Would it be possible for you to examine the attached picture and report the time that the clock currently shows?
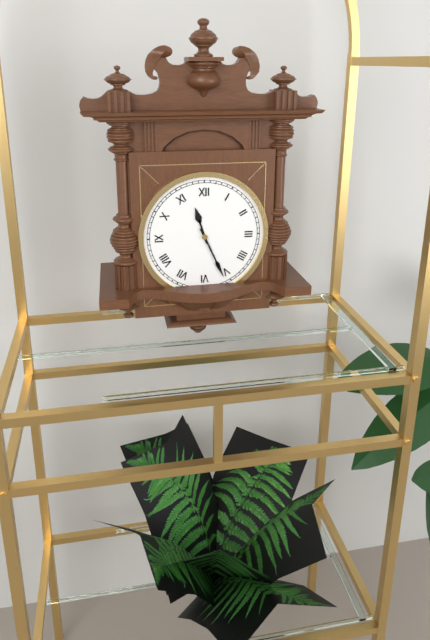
11:26
